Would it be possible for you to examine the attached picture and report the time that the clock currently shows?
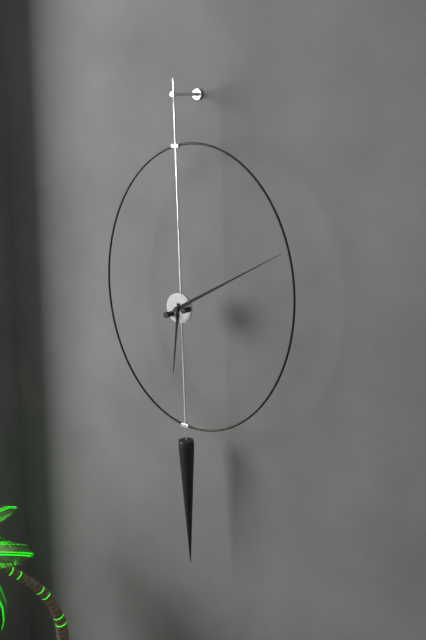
6:10
